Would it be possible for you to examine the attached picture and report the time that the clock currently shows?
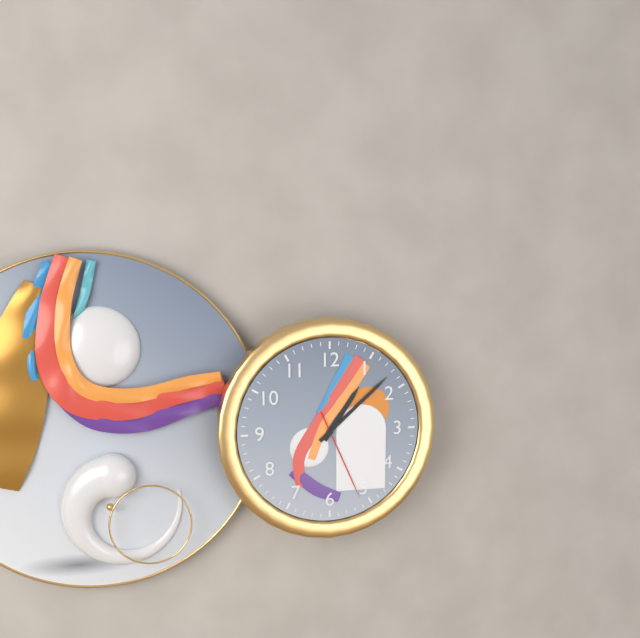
1:08:26
